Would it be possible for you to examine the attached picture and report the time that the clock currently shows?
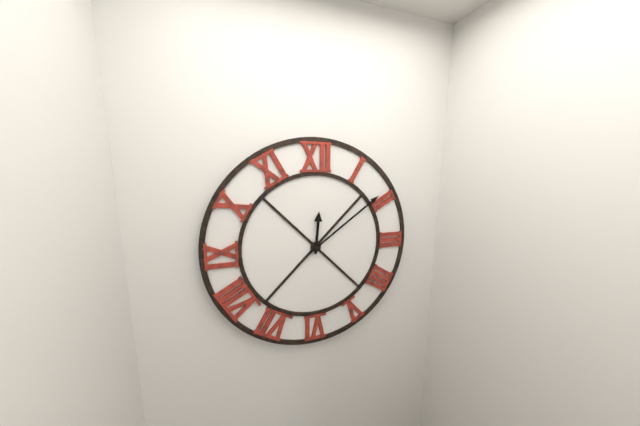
12:09
